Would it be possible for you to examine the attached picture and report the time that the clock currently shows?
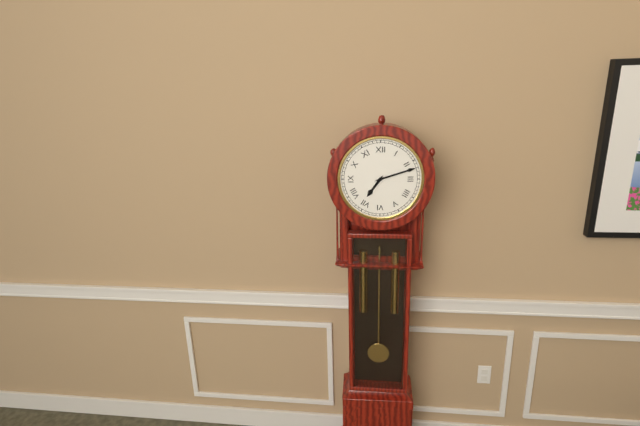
7:12
